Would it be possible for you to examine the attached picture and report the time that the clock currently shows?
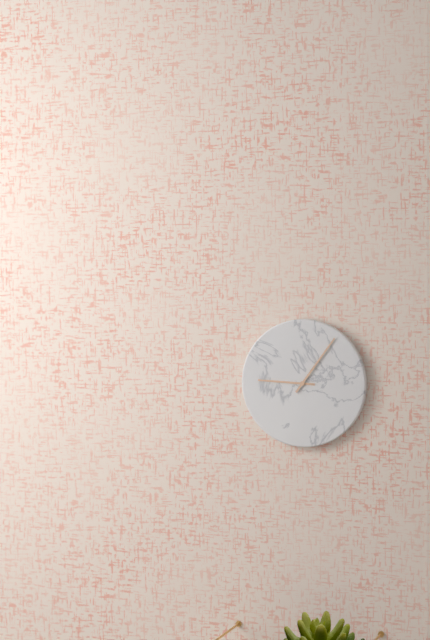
9:06
